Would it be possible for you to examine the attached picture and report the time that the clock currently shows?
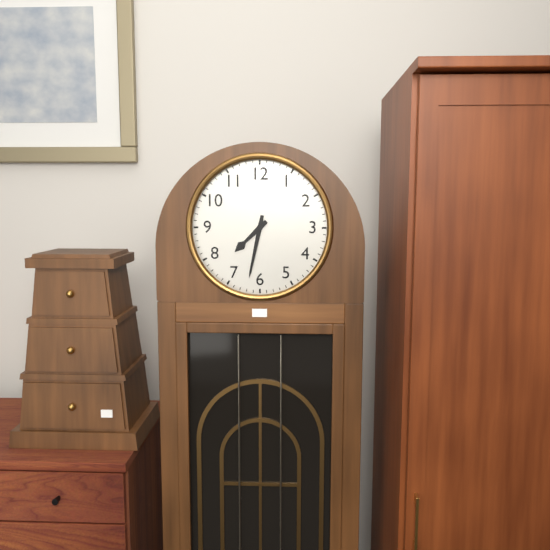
7:32
